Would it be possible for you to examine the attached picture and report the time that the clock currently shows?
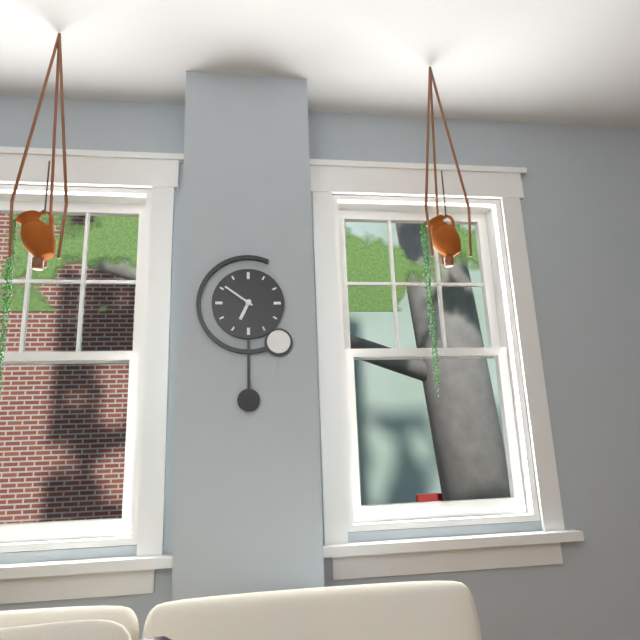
6:51
